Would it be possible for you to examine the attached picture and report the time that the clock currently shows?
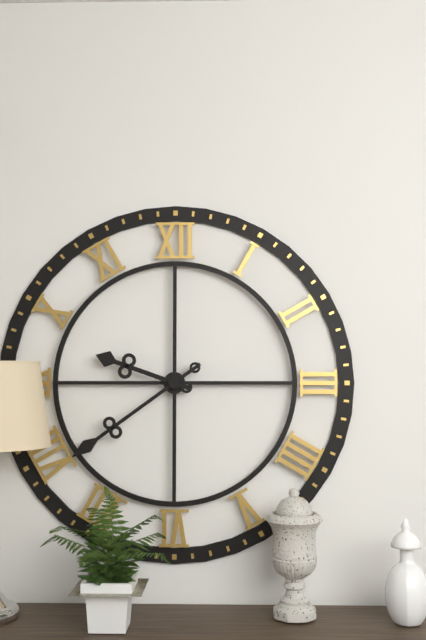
9:39
